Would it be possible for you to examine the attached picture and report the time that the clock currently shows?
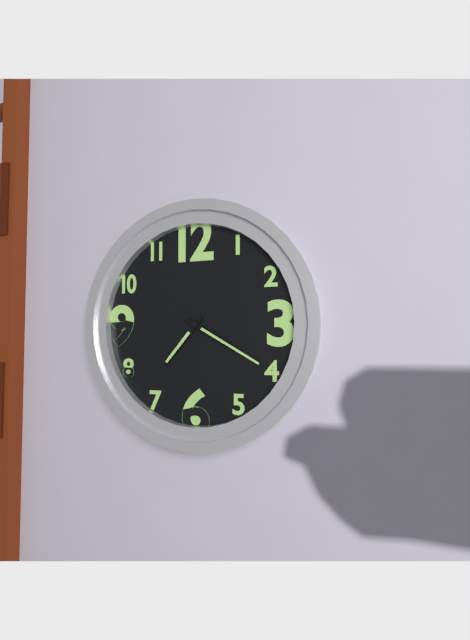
7:20
